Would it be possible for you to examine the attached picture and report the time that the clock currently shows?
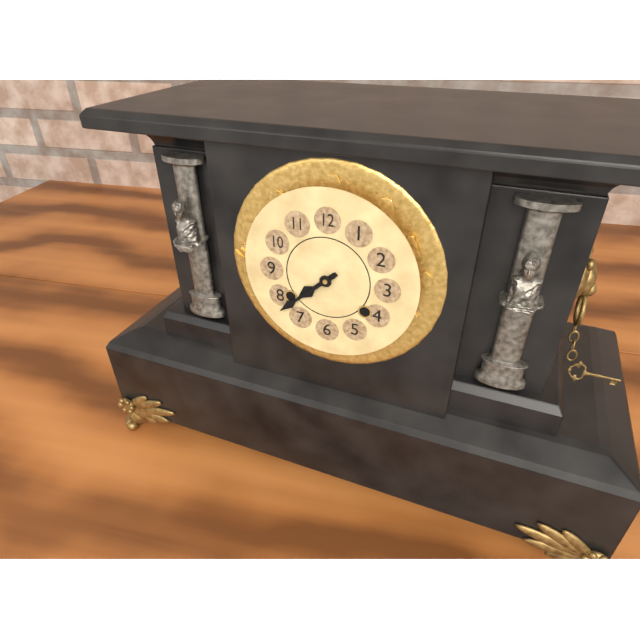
7:38
